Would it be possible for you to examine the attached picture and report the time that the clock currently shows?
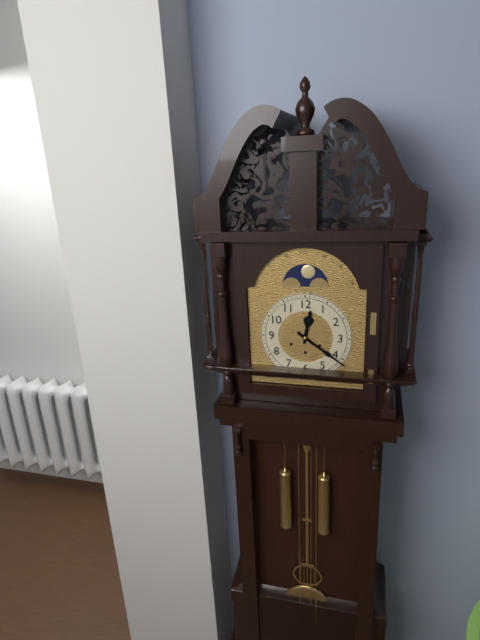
12:21
